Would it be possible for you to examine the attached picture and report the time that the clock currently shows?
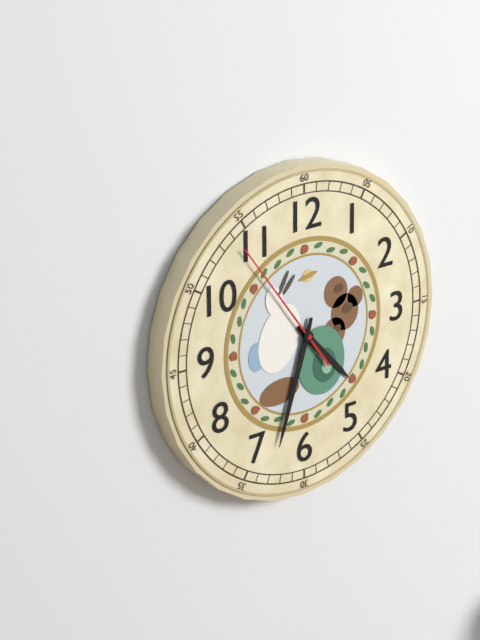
4:33:54
